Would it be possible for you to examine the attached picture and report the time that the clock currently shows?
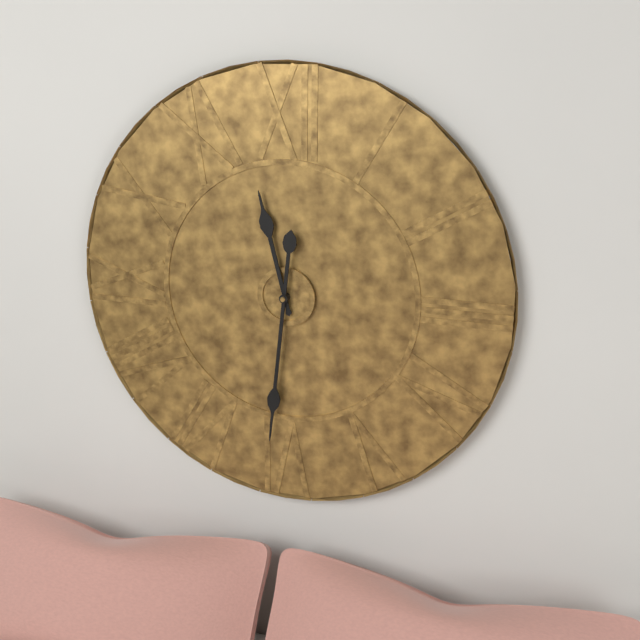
11:31
